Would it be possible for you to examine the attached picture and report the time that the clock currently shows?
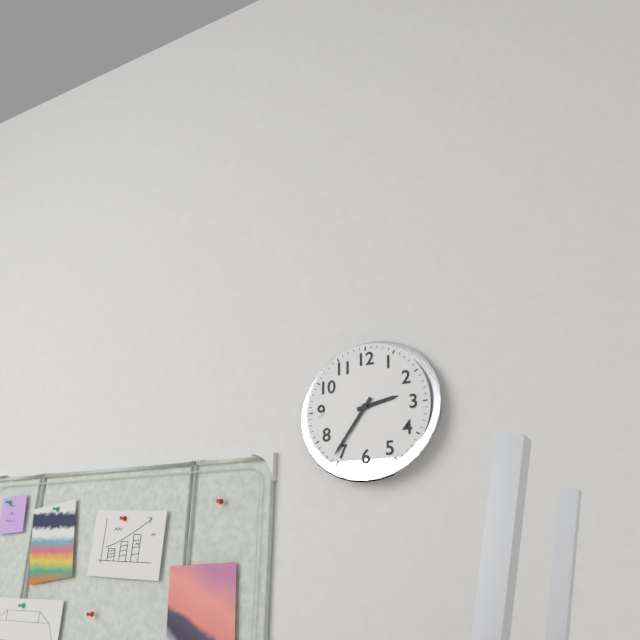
2:36
